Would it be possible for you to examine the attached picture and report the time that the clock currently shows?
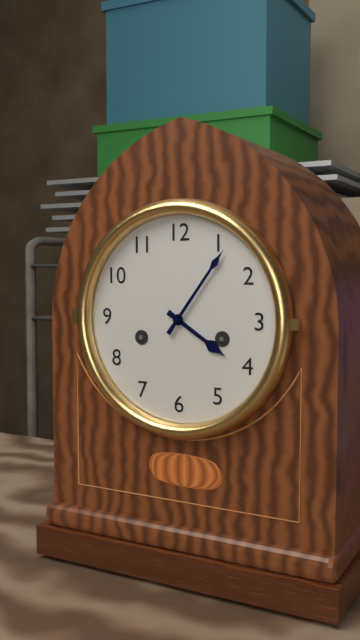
4:06
